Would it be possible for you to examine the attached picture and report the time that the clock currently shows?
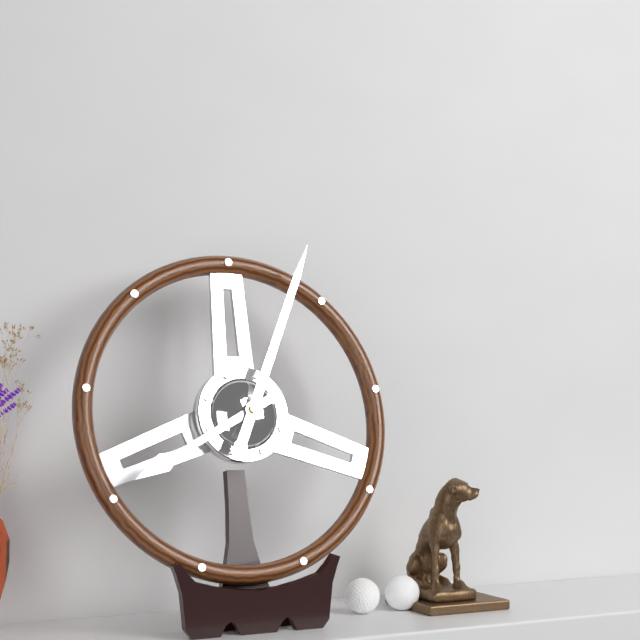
8:04
